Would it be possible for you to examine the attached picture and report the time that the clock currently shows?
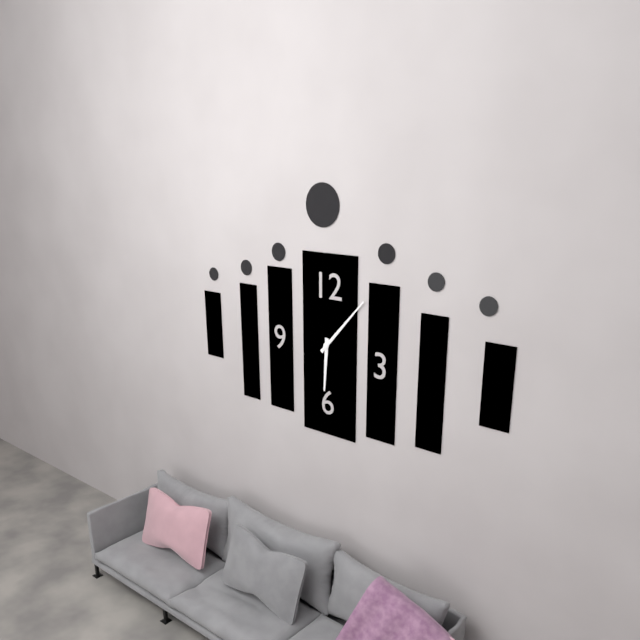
6:07
